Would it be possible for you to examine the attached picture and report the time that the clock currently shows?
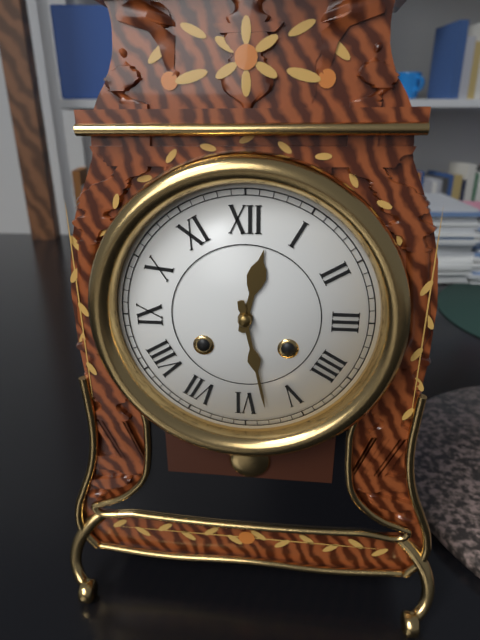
12:28
